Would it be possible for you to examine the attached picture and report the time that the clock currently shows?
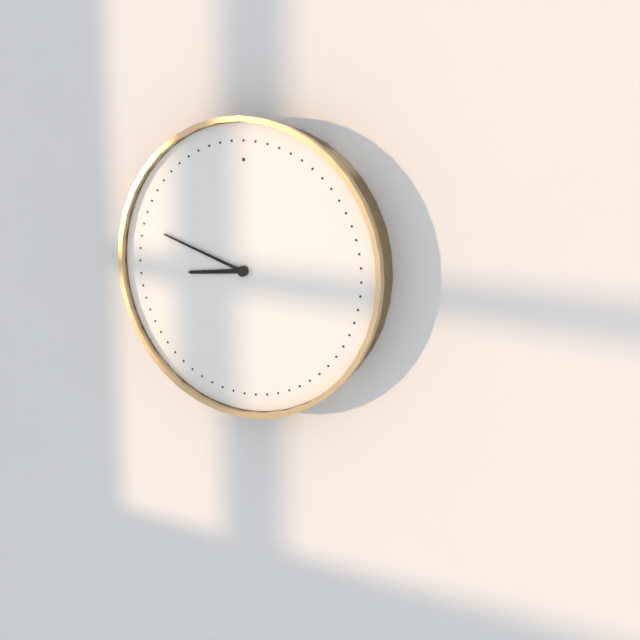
8:48
